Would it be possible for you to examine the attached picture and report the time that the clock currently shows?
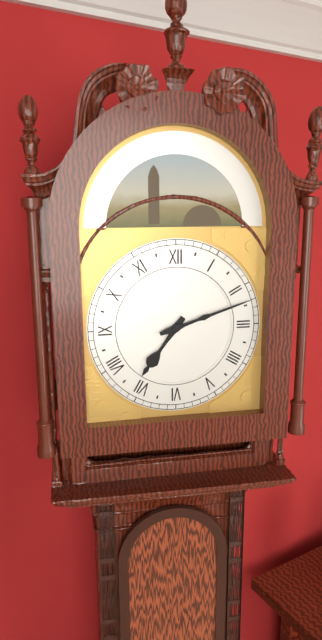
7:12
